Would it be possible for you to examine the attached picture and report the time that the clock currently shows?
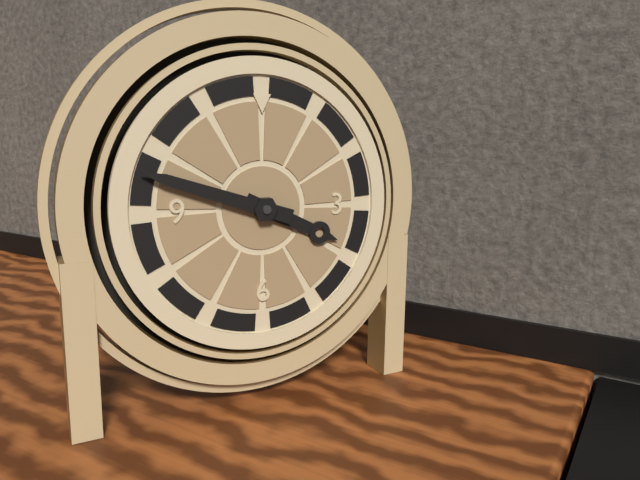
3:48
